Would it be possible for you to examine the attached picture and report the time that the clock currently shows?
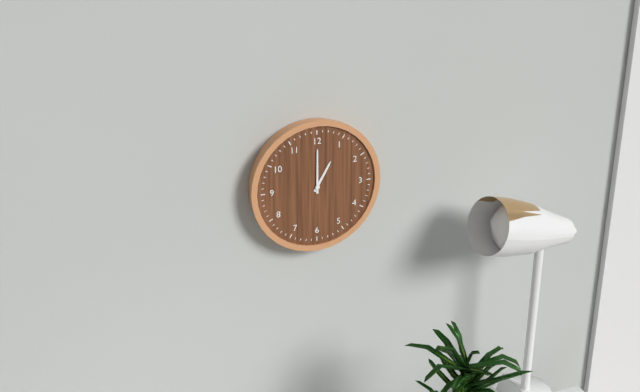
1:00
